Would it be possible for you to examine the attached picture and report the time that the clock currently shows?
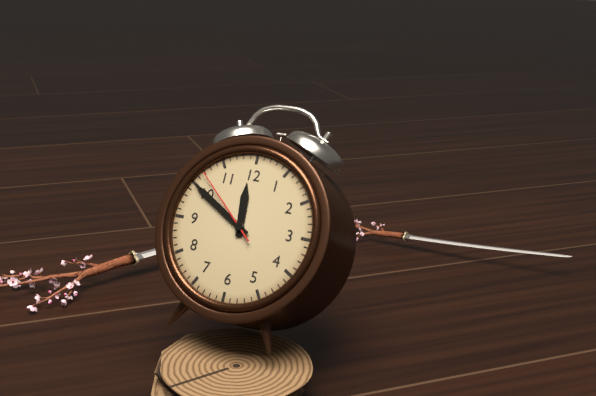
11:50:52
